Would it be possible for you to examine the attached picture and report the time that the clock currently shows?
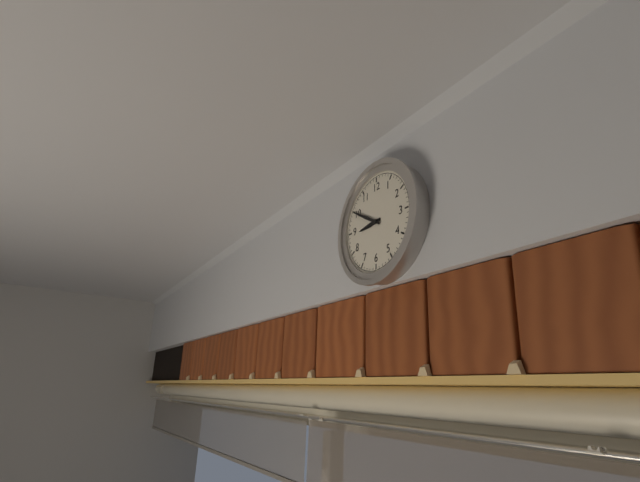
8:50
